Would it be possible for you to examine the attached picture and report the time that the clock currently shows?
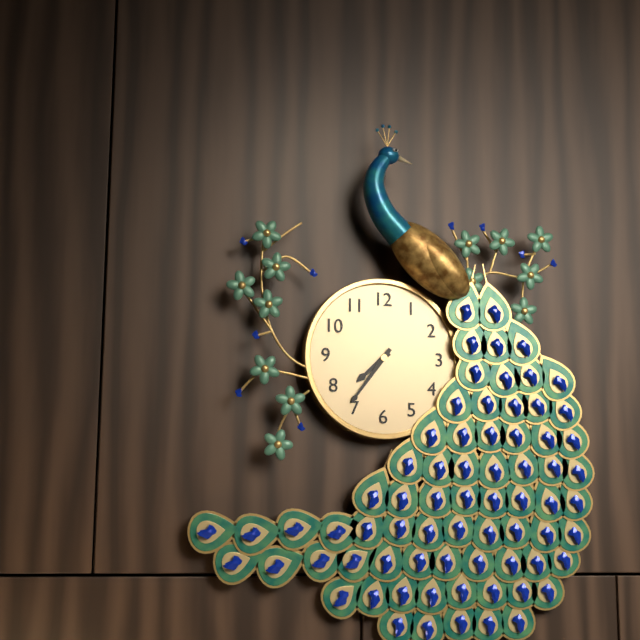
7:36
